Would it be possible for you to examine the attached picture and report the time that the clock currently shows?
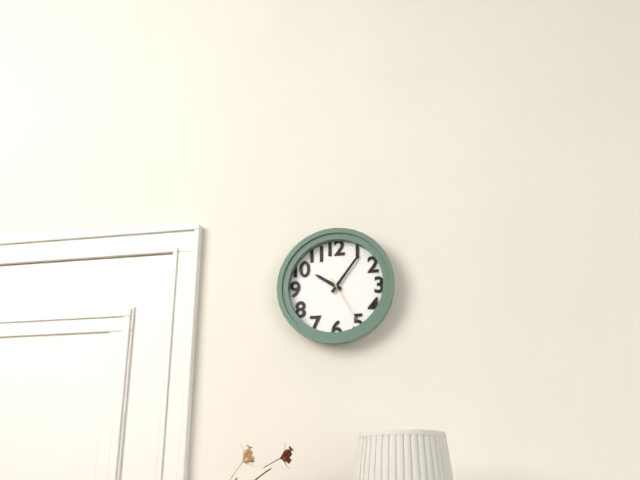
10:06
